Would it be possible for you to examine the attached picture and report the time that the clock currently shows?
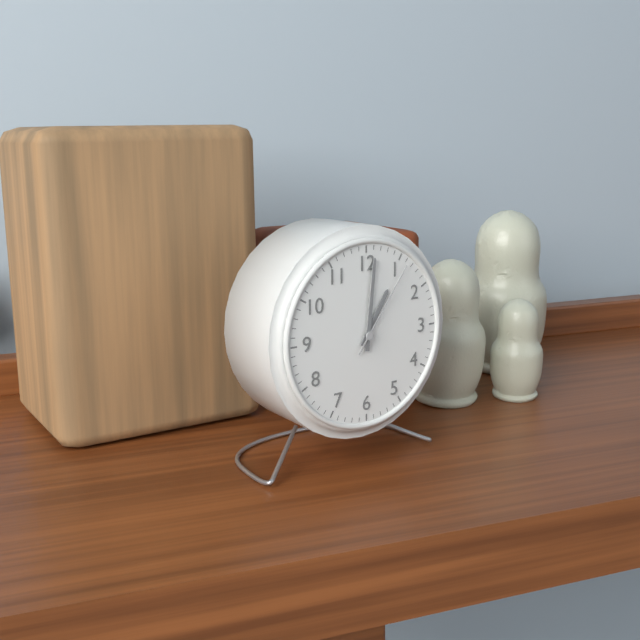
1:01:06
